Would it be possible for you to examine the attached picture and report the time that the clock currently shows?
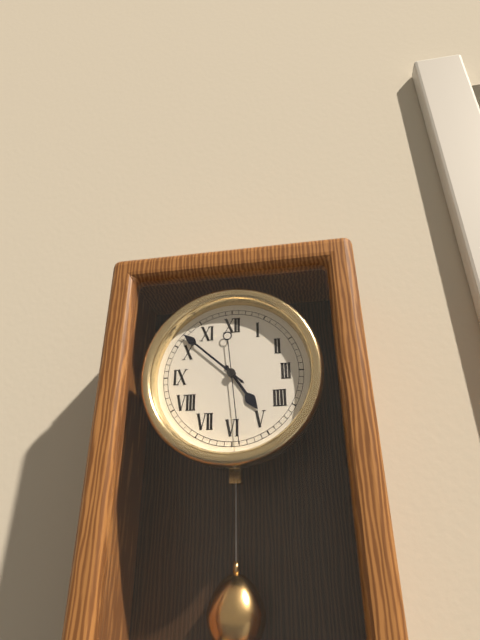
4:52:29
